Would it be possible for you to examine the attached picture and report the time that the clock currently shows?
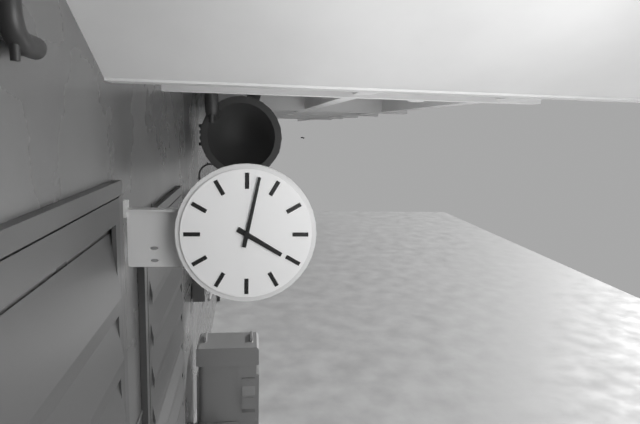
4:02
